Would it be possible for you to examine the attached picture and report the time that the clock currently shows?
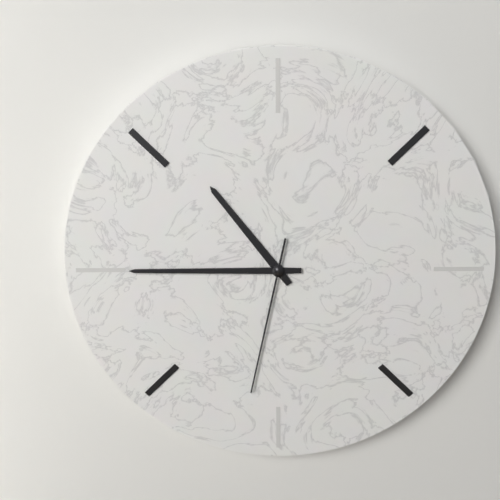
10:45:32
